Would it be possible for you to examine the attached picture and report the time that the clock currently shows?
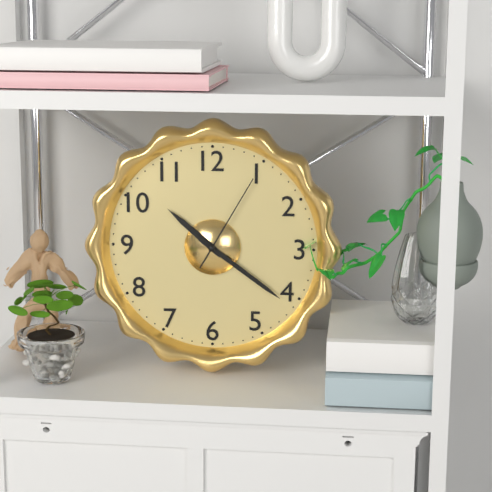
10:21:05
